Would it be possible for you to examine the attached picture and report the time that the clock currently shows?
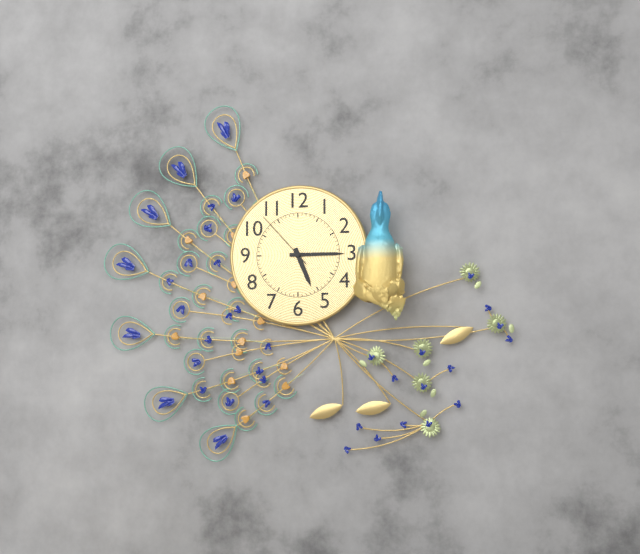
5:15:53
